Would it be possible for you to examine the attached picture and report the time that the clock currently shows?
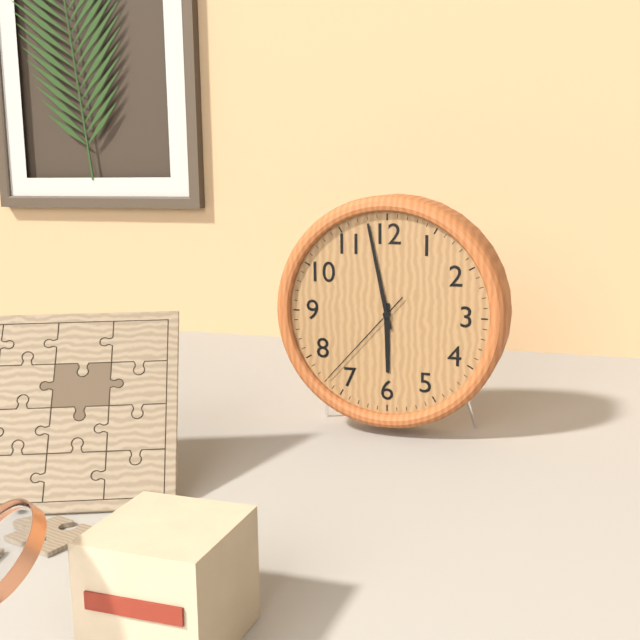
5:58:37
